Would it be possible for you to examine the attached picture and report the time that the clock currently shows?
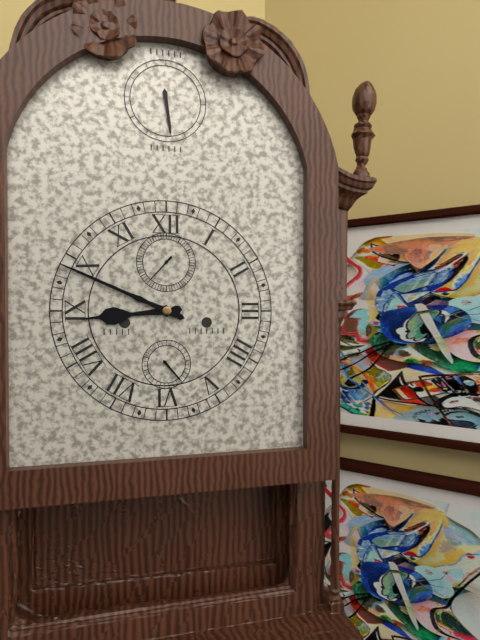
8:49
